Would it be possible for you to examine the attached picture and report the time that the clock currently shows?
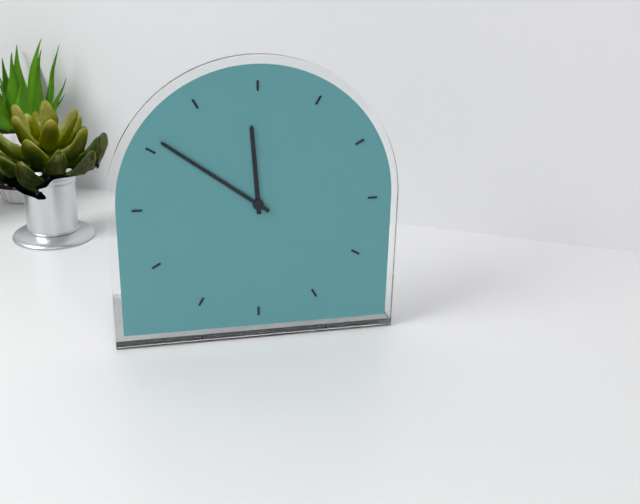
11:51
